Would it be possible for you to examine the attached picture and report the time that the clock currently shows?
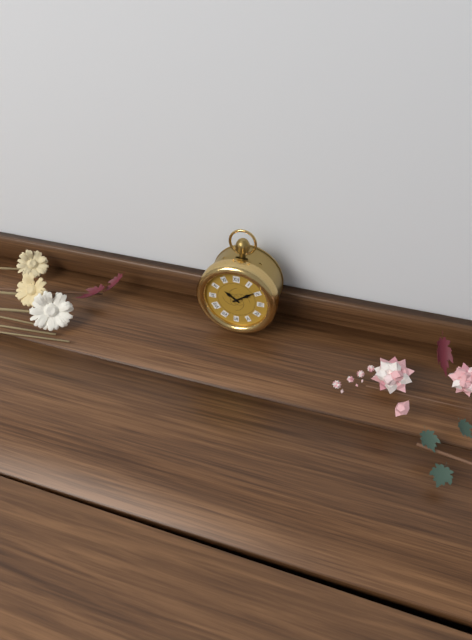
10:09
